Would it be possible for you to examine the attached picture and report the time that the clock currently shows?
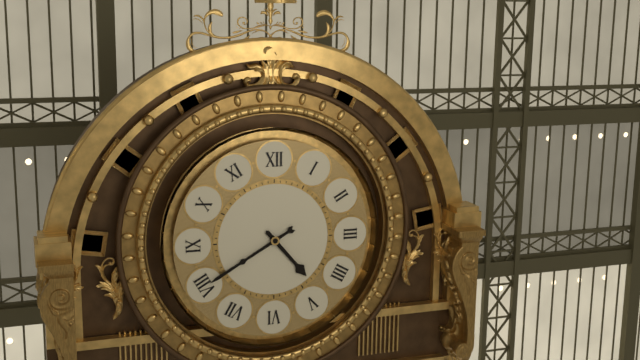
4:40
